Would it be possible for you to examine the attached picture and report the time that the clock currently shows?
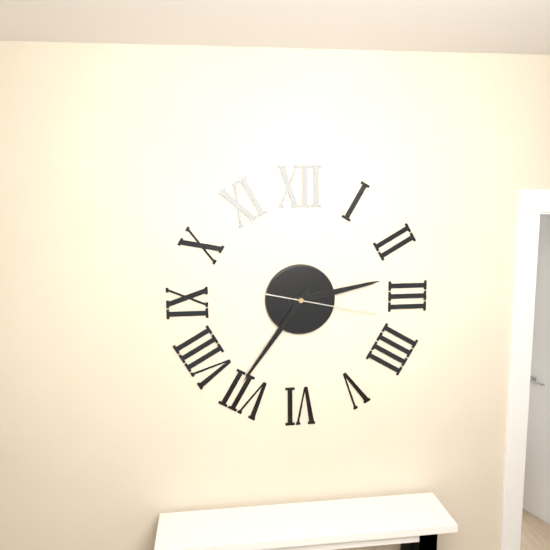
2:36:17
